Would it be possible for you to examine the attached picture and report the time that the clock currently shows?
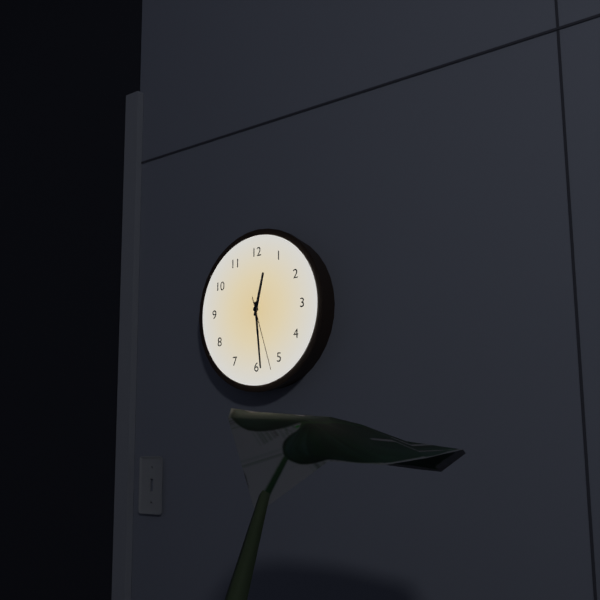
12:29:27
